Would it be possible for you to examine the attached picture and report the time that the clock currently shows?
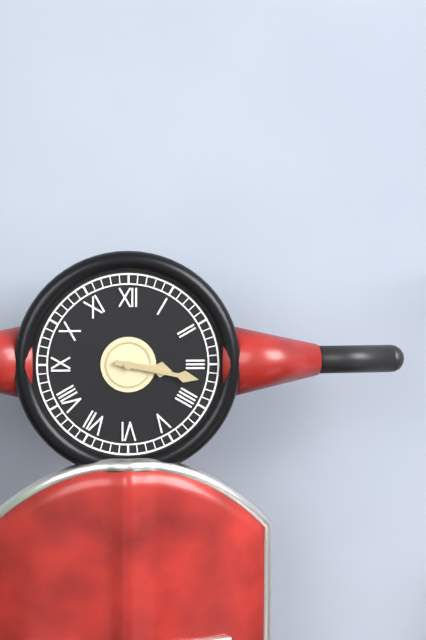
3:17
